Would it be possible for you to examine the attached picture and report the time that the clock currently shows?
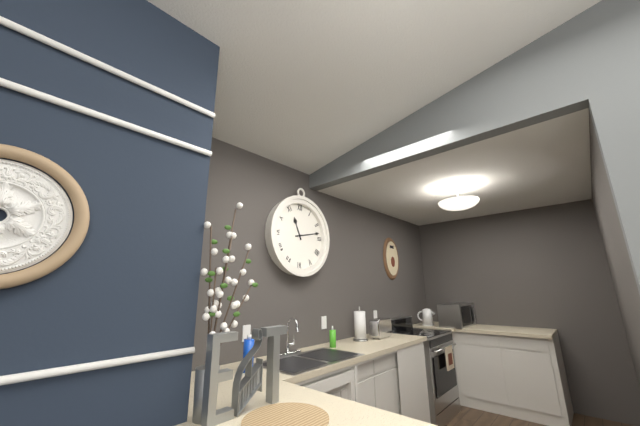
11:13
